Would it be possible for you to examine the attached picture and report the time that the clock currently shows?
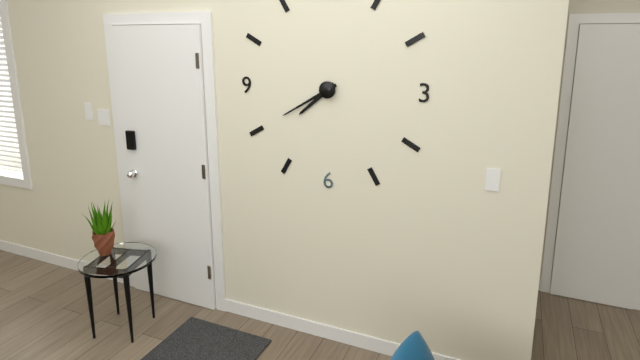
7:40
